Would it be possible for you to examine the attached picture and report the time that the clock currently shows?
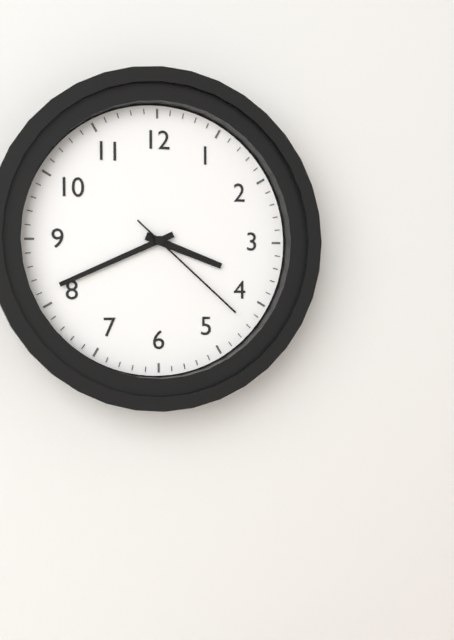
3:41:22
